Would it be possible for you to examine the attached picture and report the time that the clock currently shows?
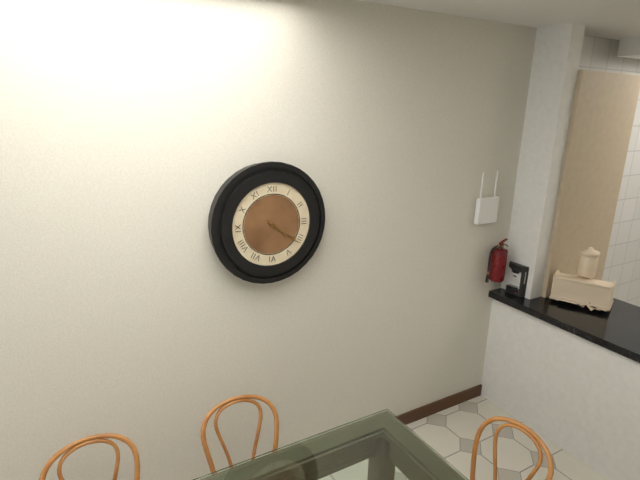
4:21
